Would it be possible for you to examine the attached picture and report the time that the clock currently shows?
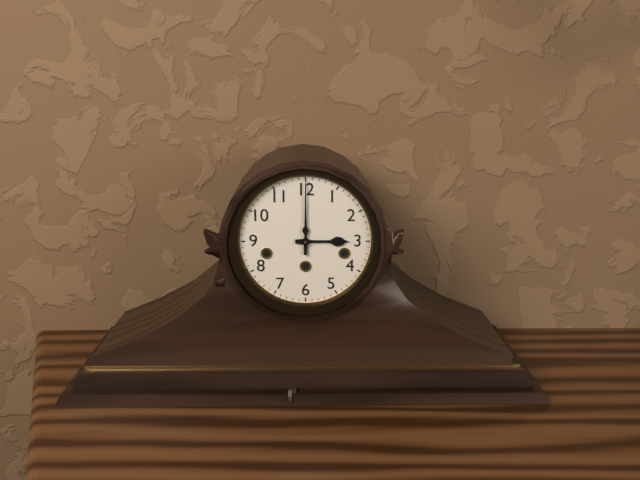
3:00
